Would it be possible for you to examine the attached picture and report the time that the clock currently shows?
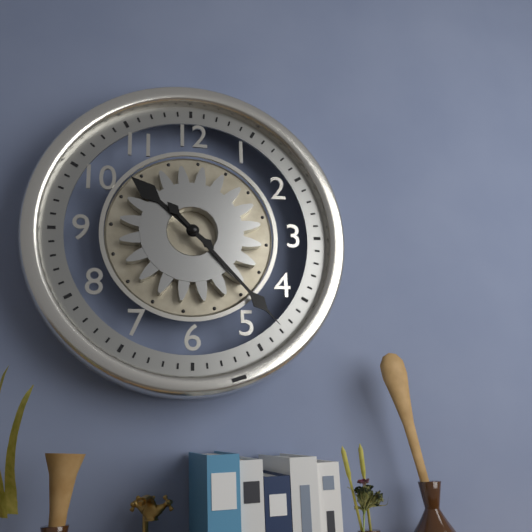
10:23
